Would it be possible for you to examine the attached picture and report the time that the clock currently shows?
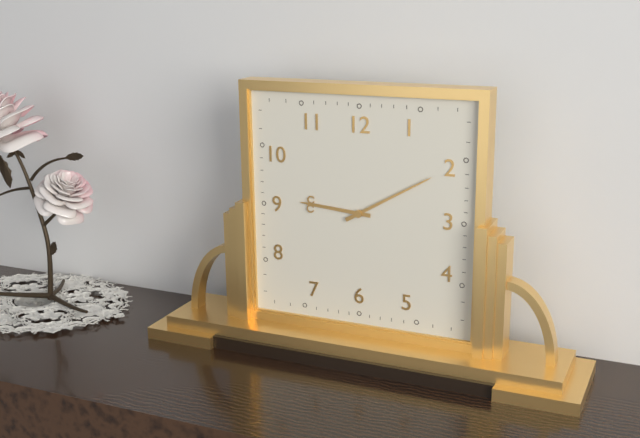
9:10
